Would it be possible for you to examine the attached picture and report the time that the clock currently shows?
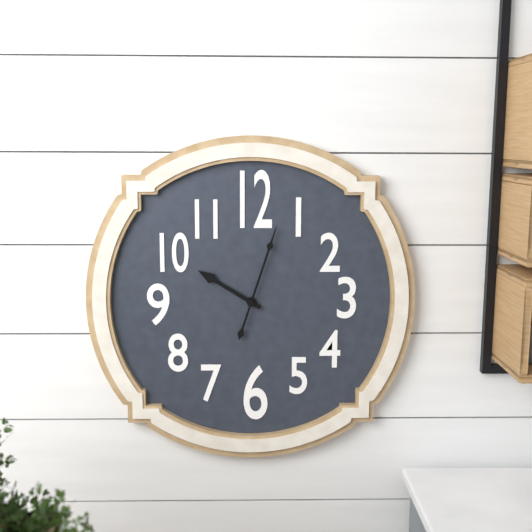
10:03
